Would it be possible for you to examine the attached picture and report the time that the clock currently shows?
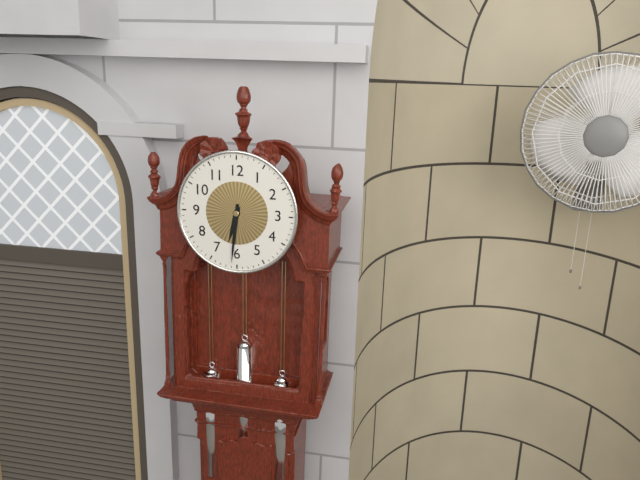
6:31
